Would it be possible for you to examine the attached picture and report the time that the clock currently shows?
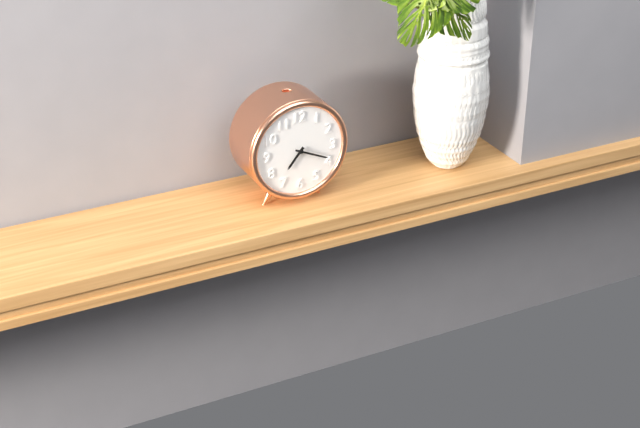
7:19
